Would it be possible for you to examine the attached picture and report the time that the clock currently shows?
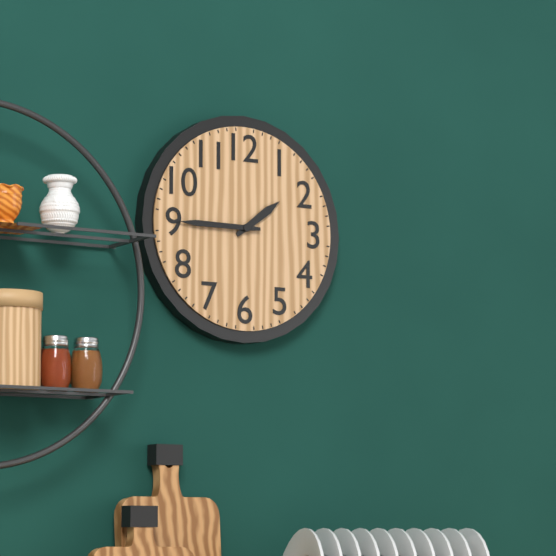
1:45
